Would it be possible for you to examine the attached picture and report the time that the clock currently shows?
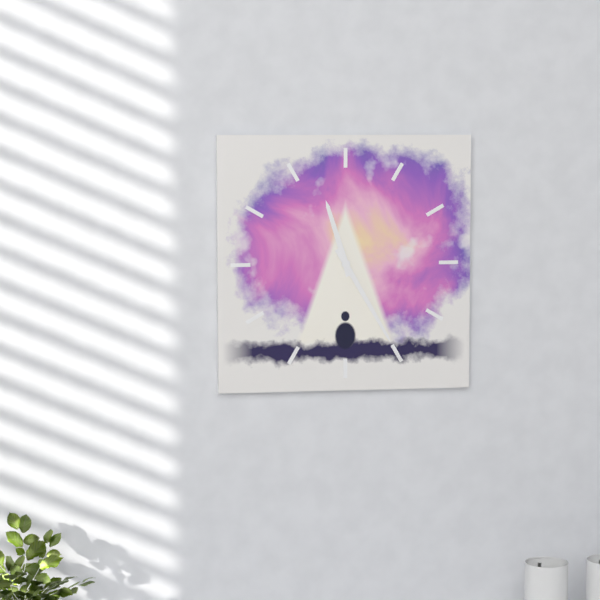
11:25
